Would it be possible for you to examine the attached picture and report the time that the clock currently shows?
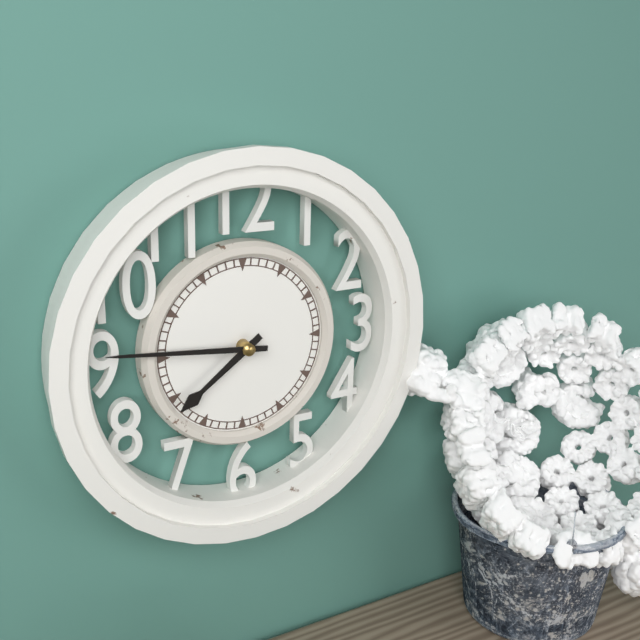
7:46
